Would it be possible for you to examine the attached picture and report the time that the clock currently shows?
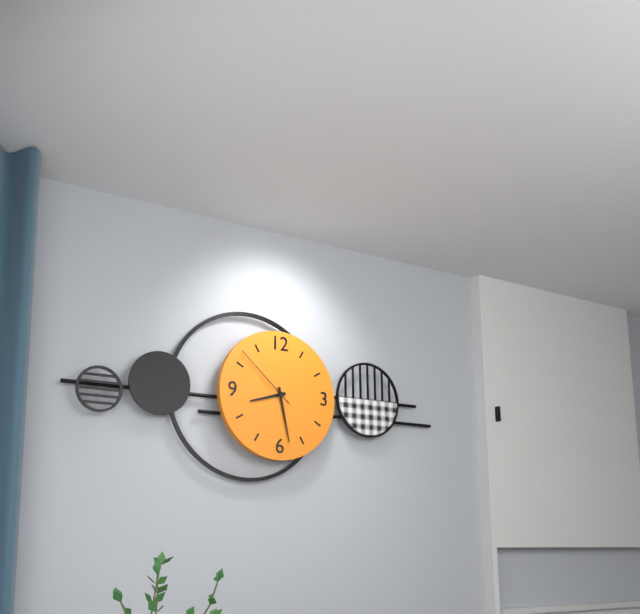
8:28:52
